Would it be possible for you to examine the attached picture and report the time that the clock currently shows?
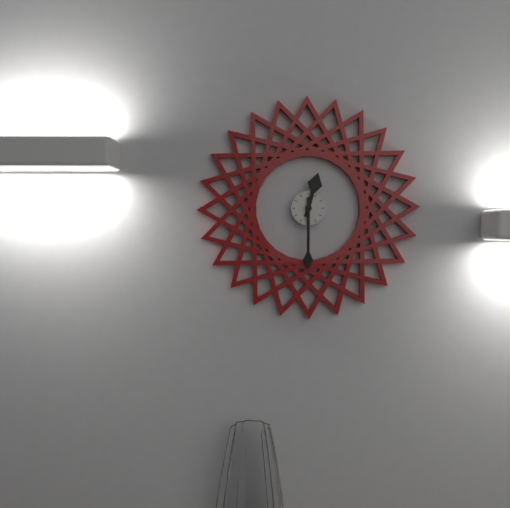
12:30
